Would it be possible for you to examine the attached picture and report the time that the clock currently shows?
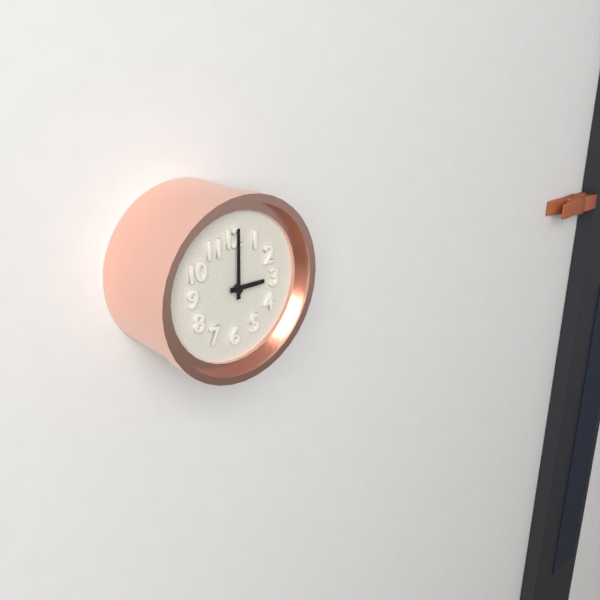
3:00
